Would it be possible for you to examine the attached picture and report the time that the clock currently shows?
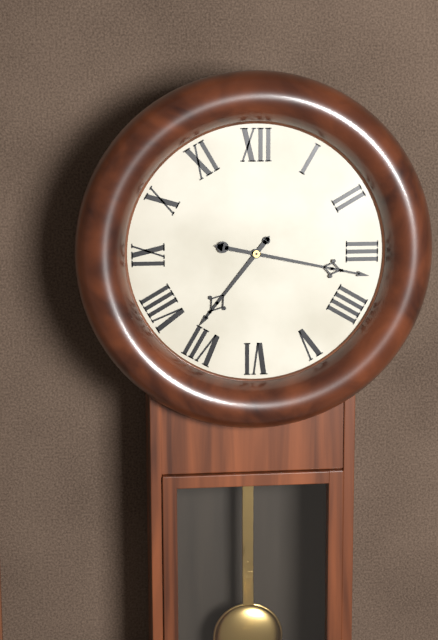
7:17
